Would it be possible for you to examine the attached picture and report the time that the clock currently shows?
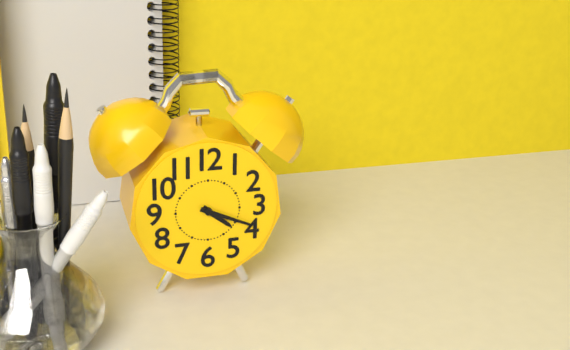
4:19
